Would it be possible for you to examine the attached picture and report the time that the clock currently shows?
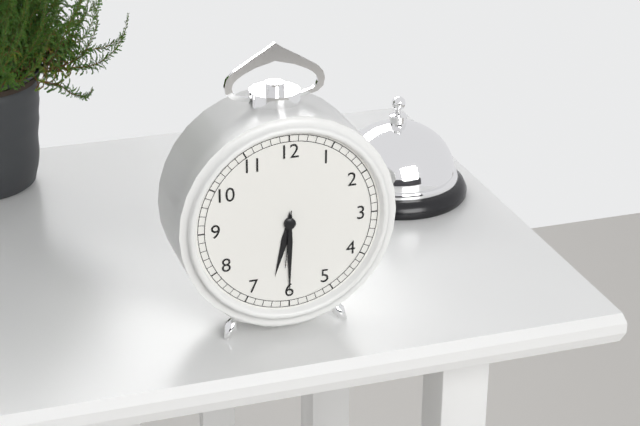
6:30:31
